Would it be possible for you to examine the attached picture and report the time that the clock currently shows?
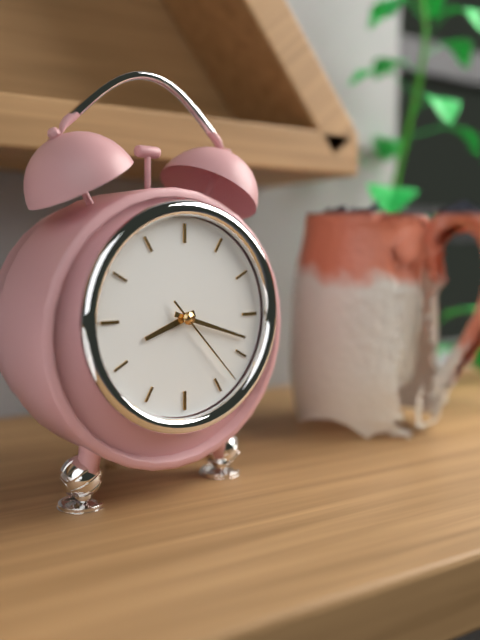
8:18:23
